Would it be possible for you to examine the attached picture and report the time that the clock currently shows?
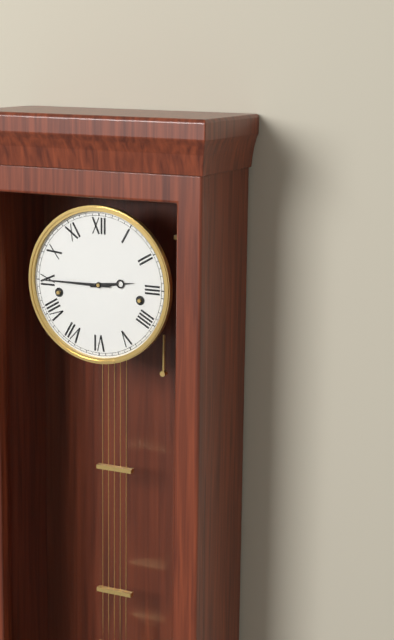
2:45
